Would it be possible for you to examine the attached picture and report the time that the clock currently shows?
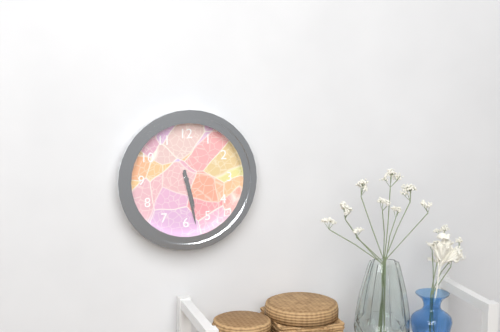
5:28
